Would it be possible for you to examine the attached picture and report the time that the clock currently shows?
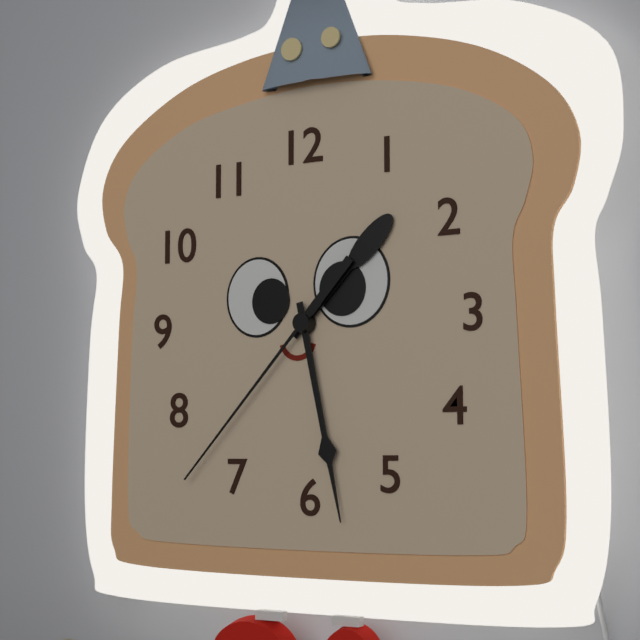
1:28:37
